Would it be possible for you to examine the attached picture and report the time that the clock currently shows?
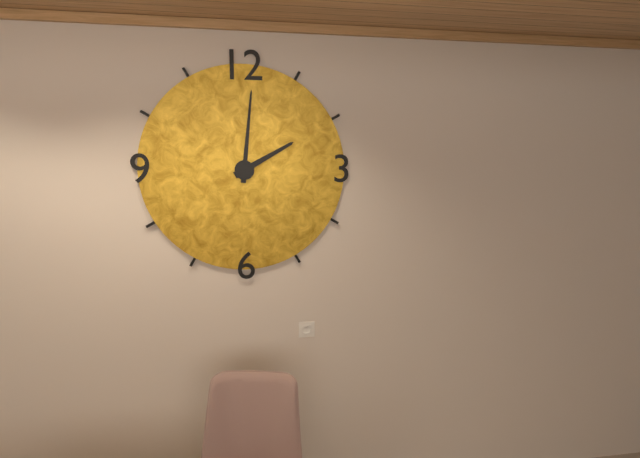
2:01
